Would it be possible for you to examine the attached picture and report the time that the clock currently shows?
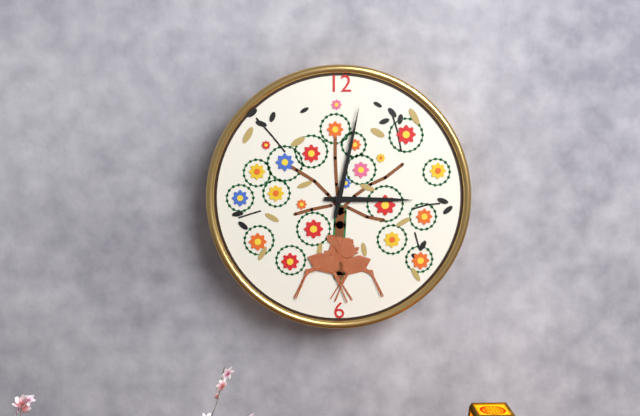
3:02
